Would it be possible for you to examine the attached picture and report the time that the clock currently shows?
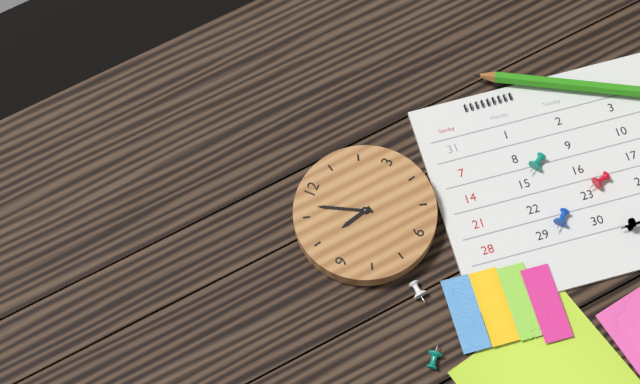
9:57
